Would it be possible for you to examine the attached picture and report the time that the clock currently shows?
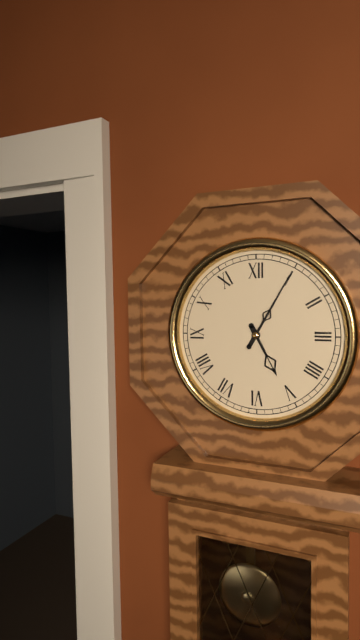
5:05
